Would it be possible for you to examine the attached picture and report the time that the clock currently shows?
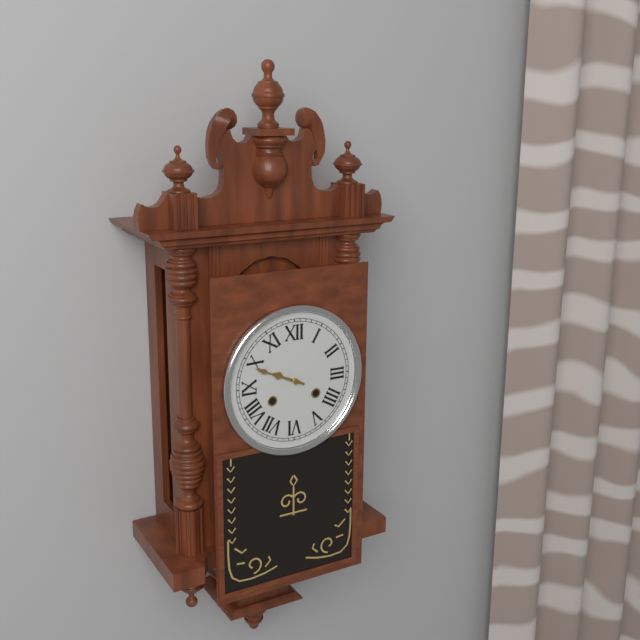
9:49
